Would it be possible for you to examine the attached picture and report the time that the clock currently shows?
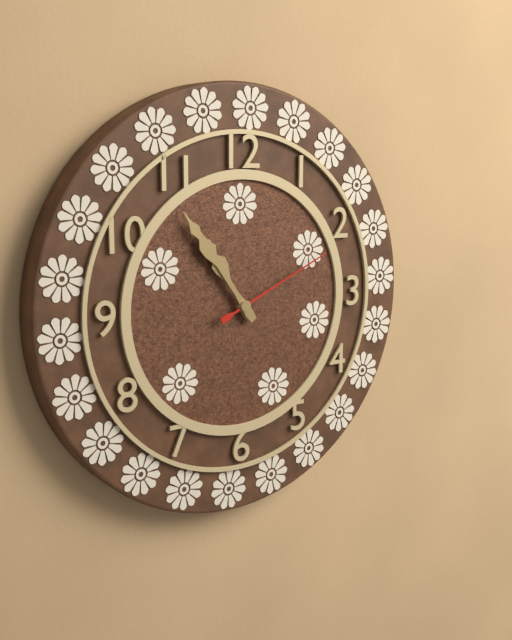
10:54:11
